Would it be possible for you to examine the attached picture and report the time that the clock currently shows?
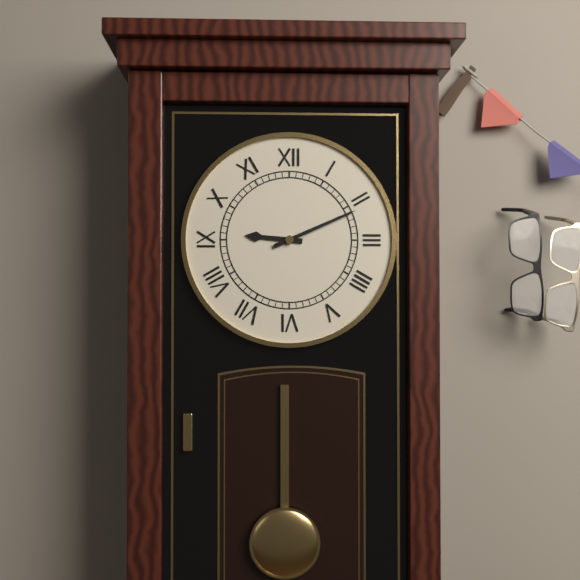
9:11
